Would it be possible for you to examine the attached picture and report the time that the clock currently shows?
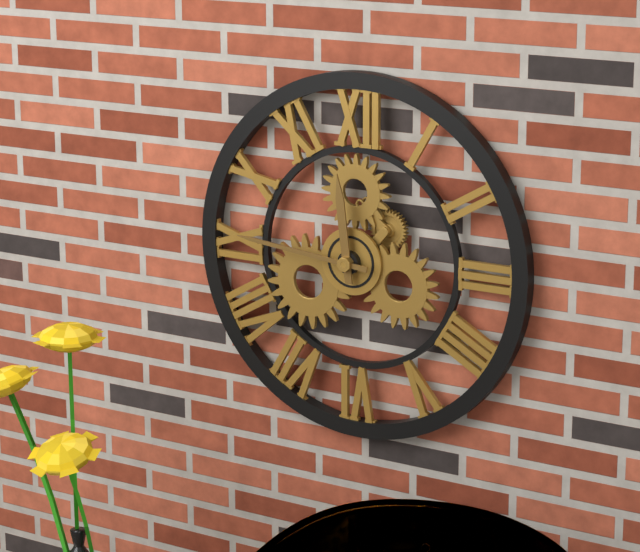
11:46
